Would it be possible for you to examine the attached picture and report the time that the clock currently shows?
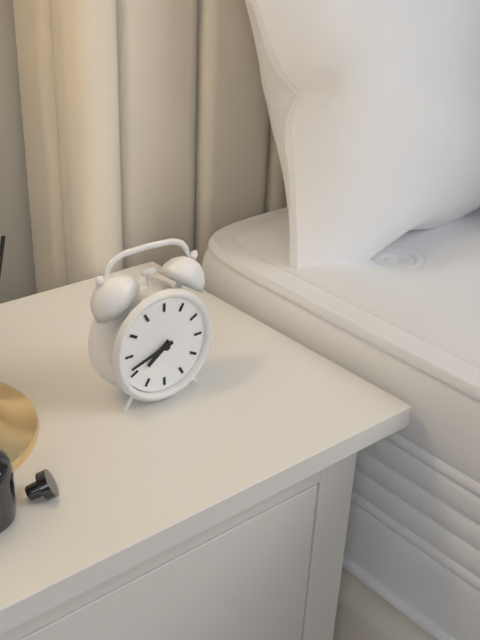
7:42
